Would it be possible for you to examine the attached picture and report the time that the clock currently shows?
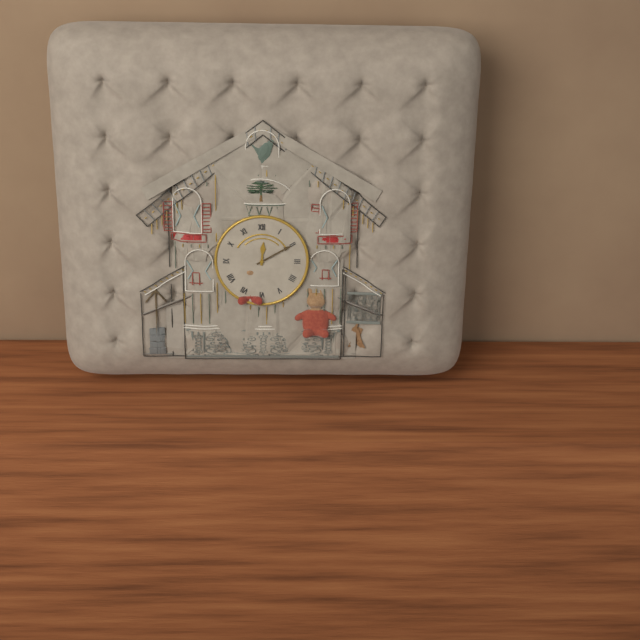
12:10
